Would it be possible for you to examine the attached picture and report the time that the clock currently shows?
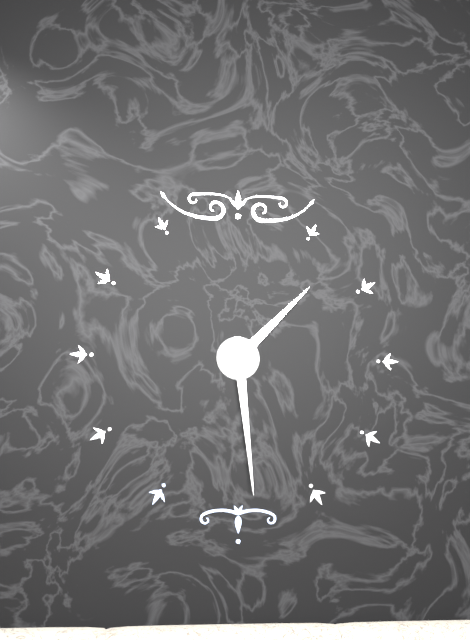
1:29
